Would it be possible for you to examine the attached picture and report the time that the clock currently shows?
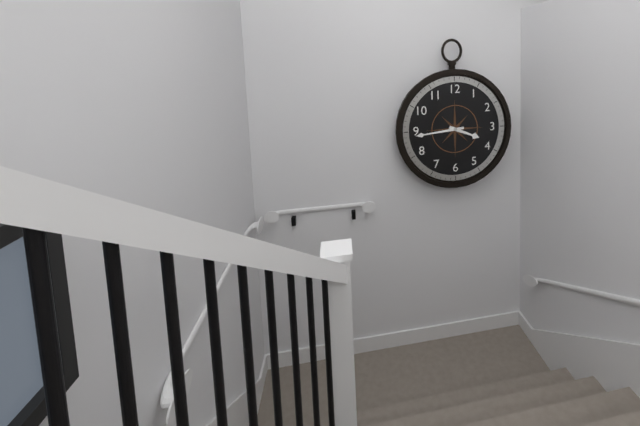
3:44
